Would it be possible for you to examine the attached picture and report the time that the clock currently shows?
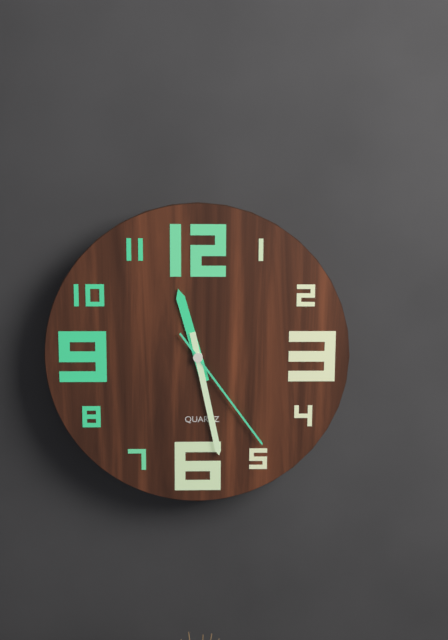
11:28:24
